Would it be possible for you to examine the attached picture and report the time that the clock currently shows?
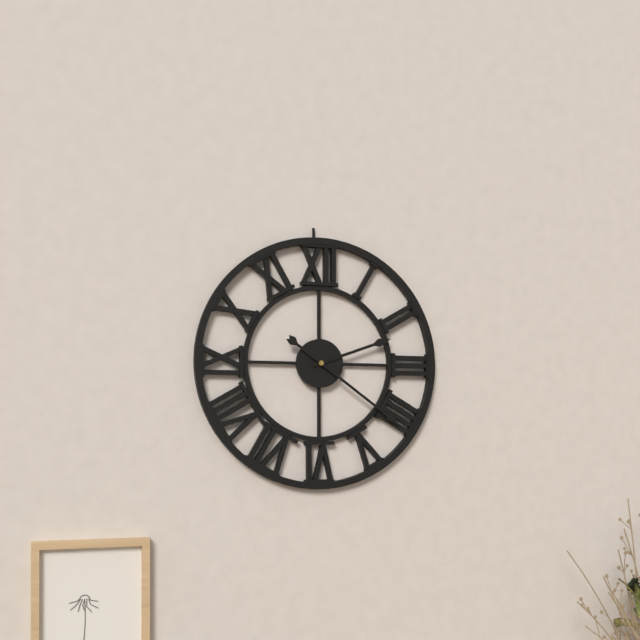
2:21
